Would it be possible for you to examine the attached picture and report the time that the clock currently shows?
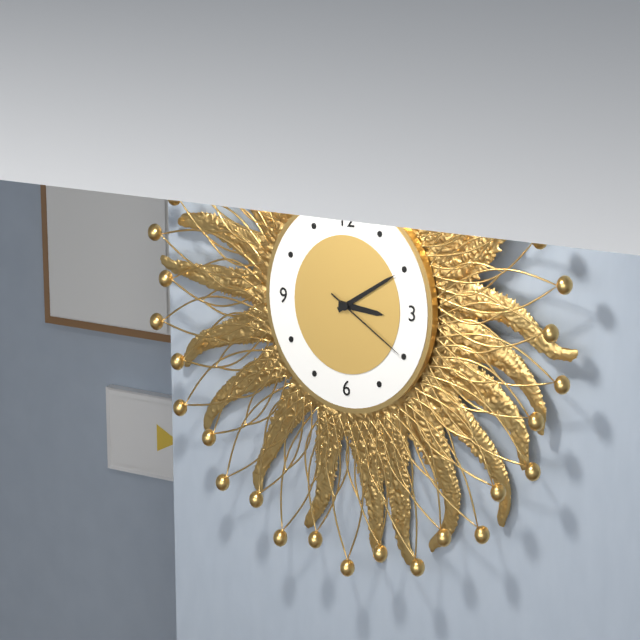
3:10:20
